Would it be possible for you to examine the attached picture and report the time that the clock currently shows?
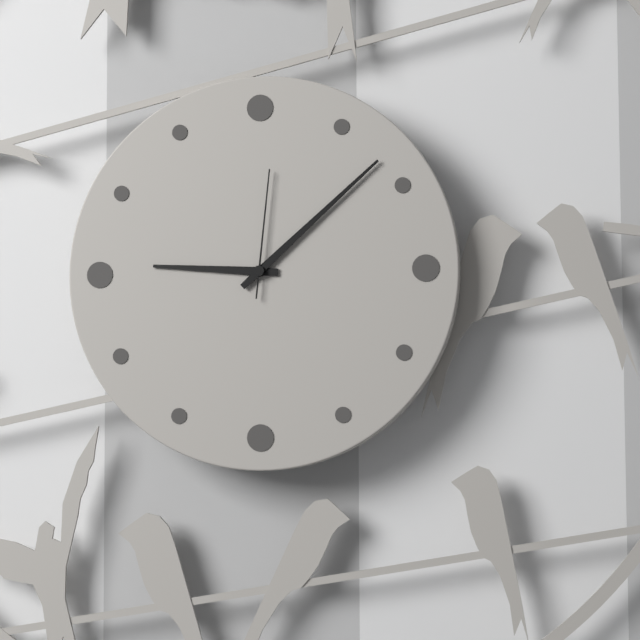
9:08:01
